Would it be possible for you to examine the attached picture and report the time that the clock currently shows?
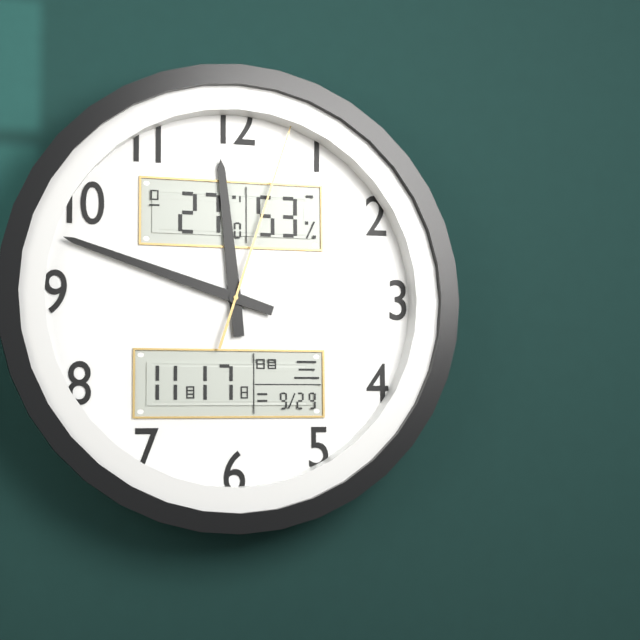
11:48:03
